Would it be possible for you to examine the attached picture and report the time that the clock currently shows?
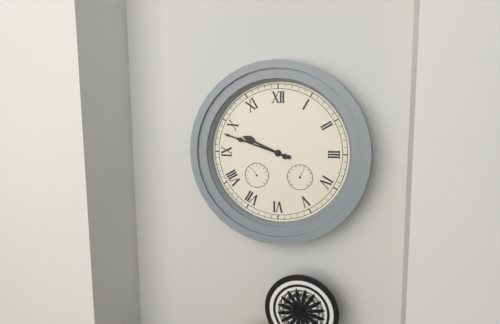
9:48
